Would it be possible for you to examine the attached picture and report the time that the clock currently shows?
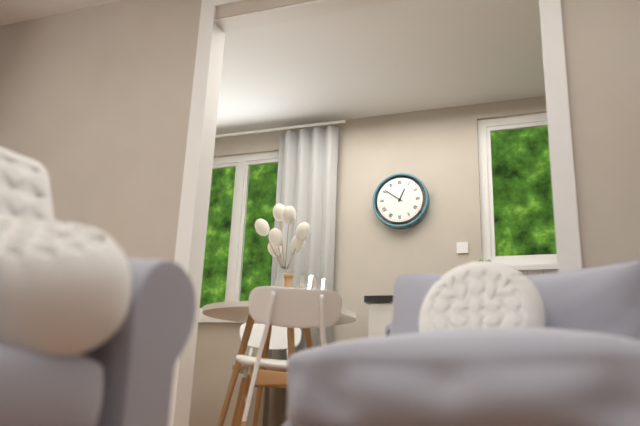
12:51
